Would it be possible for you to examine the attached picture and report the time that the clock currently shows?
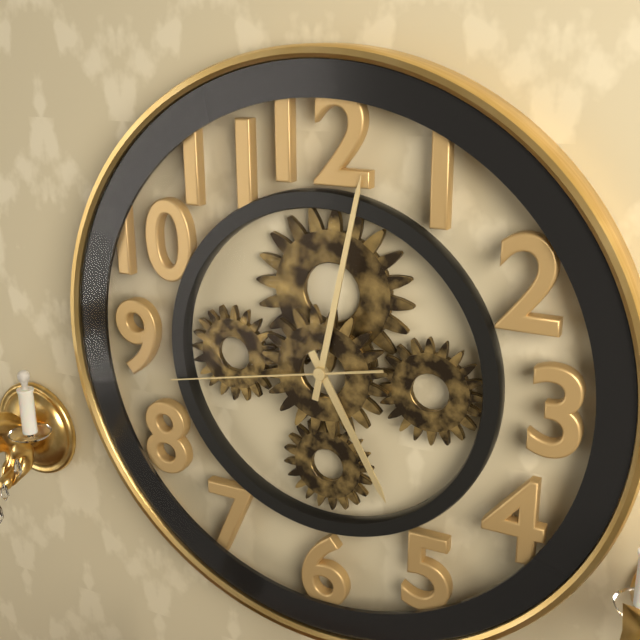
5:02:43
